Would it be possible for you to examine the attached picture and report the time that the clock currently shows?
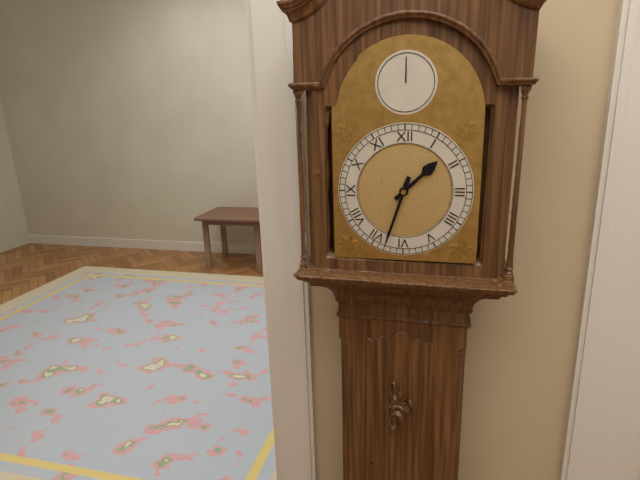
1:33
